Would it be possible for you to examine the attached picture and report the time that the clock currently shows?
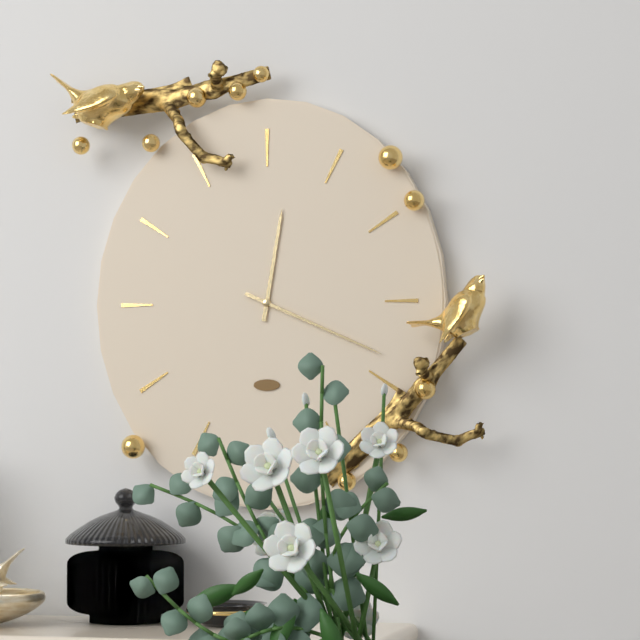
12:19
